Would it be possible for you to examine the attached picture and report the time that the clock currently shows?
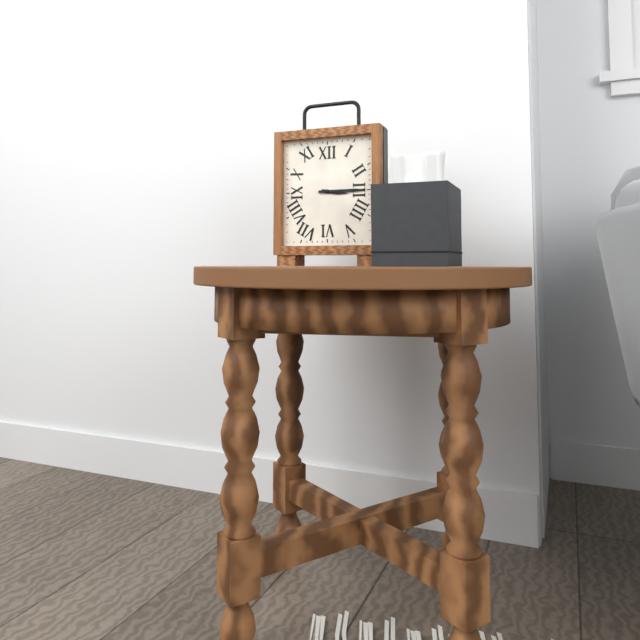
3:15
